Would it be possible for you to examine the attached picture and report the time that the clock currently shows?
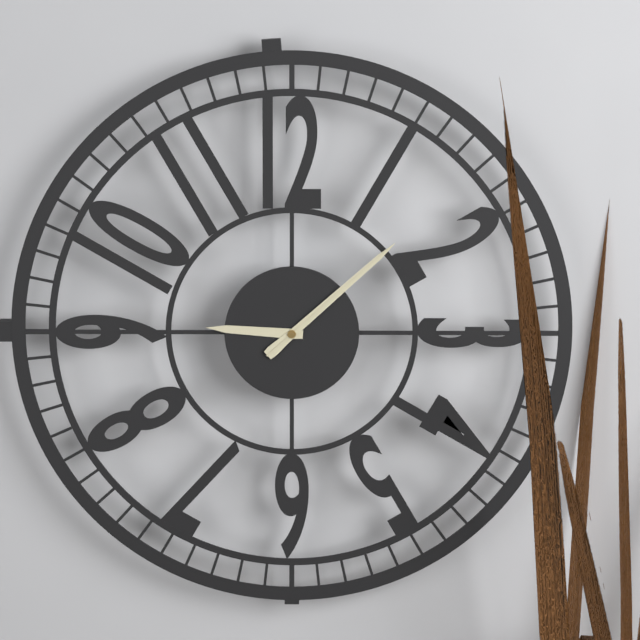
9:08:08
